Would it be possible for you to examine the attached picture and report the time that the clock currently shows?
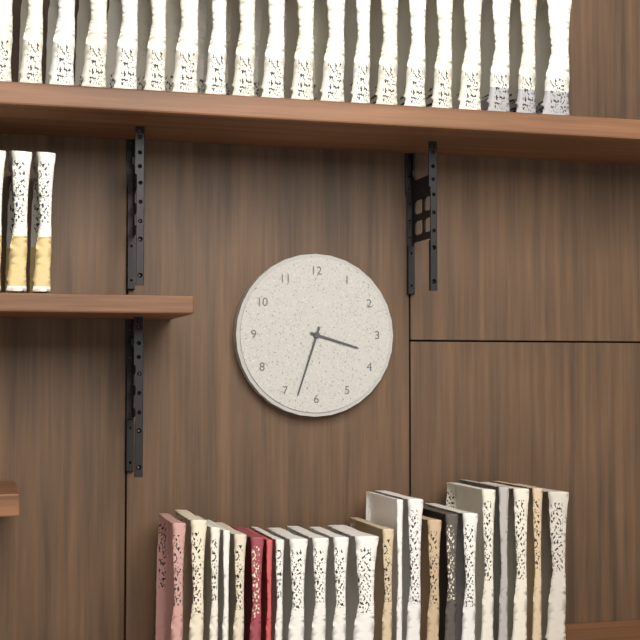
3:33
